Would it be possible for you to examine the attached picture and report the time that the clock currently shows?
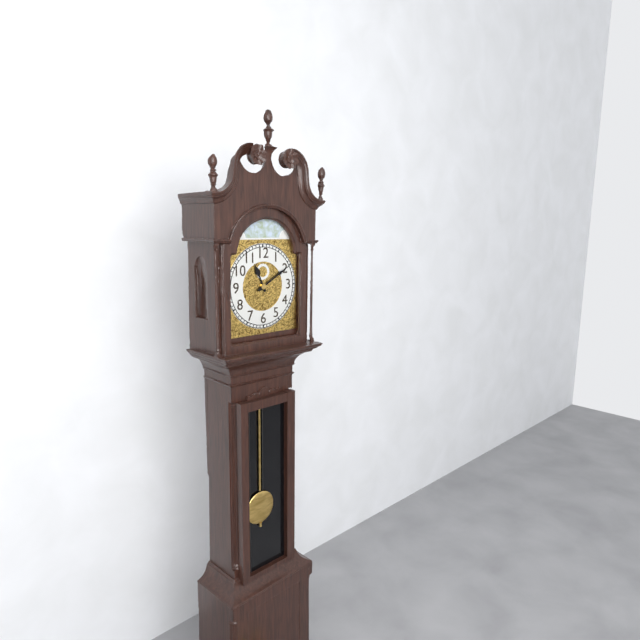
11:10
